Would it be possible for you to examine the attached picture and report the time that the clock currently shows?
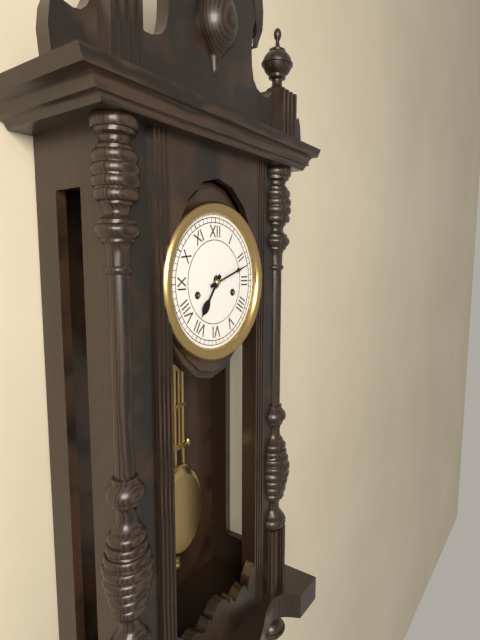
7:12
